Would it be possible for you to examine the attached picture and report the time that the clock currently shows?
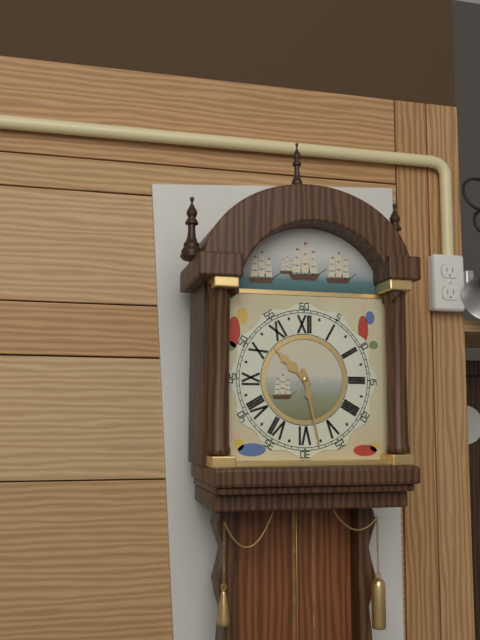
10:28
